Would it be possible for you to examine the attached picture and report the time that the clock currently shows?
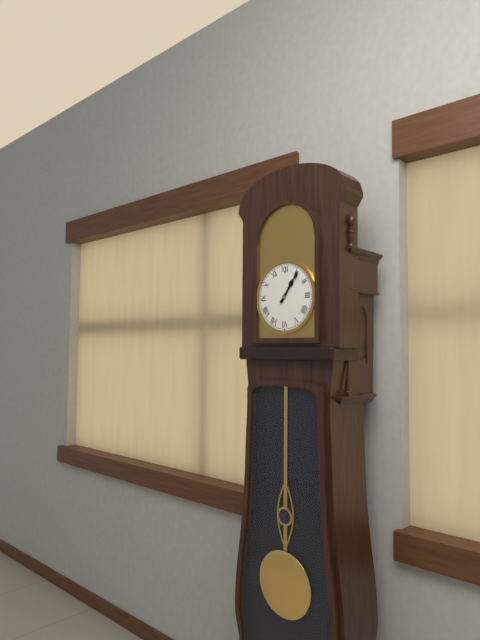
1:06
